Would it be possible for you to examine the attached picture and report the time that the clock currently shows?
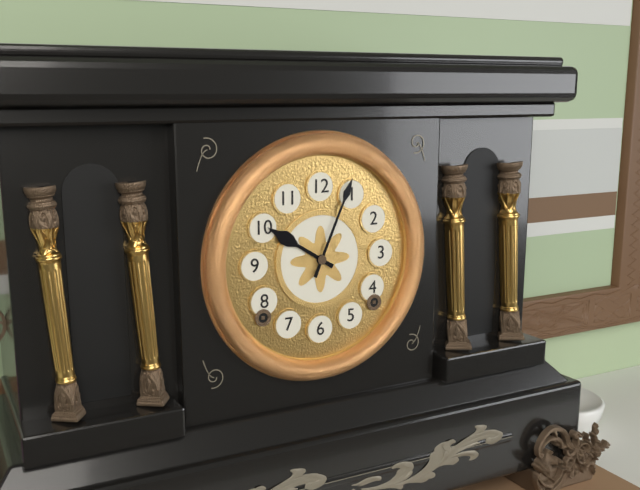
10:04
